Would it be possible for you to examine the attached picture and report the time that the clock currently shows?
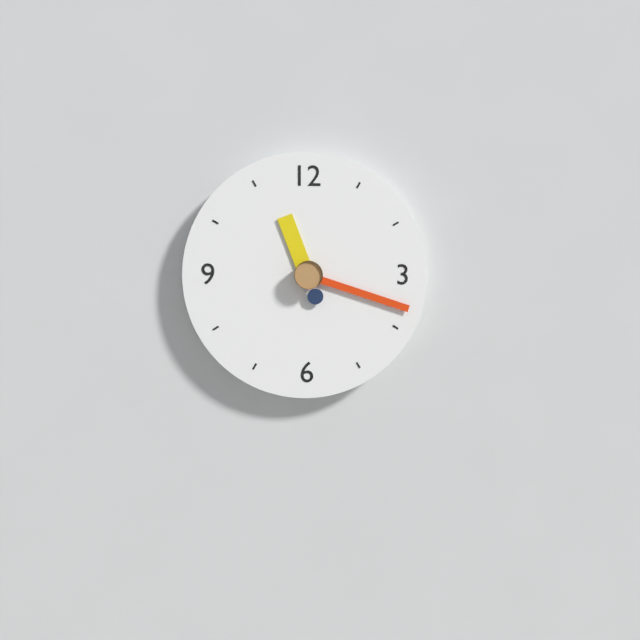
11:18
